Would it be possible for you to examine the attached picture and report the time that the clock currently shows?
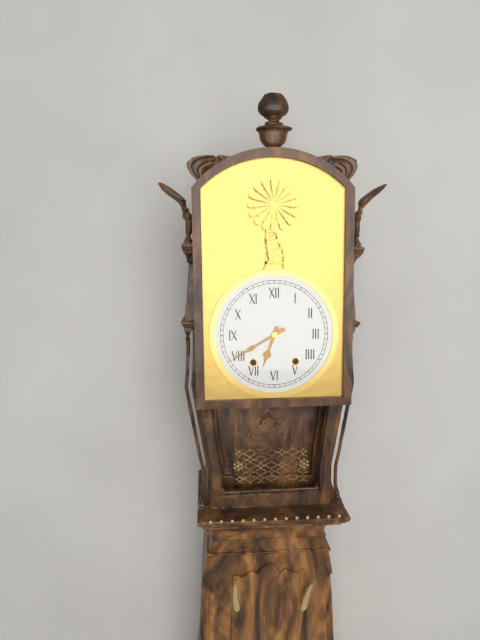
6:40
